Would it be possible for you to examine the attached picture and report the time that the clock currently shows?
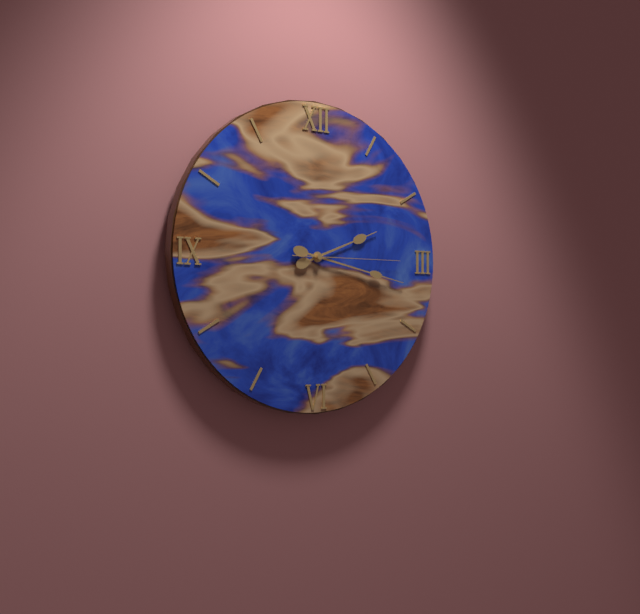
2:17:15
